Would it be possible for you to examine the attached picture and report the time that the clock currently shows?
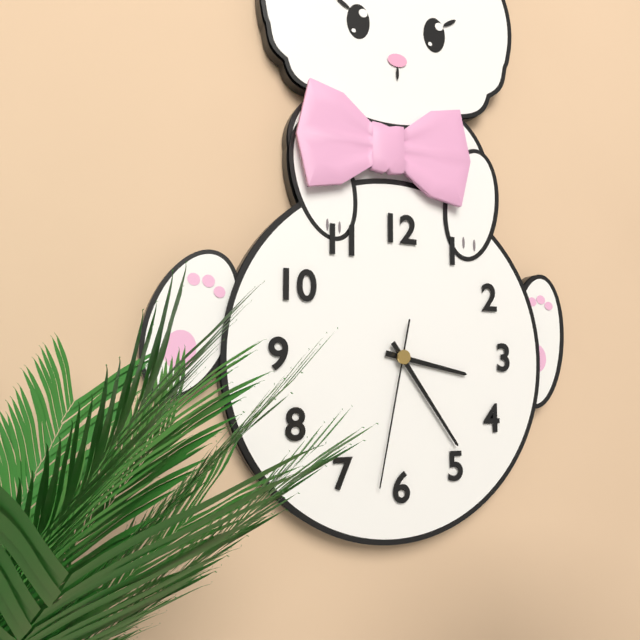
3:24:32
